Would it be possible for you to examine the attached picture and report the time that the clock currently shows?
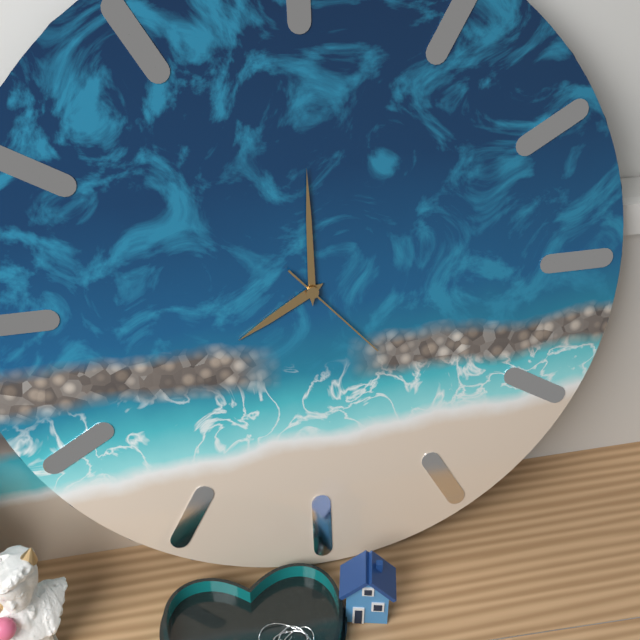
8:00:23
